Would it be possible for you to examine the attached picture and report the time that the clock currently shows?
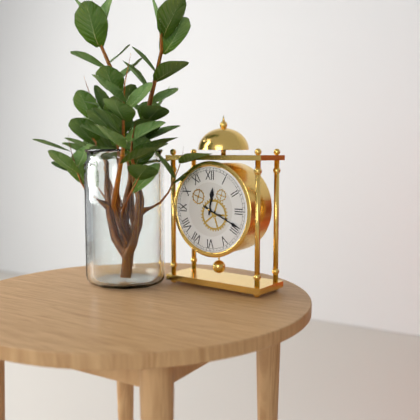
12:19
